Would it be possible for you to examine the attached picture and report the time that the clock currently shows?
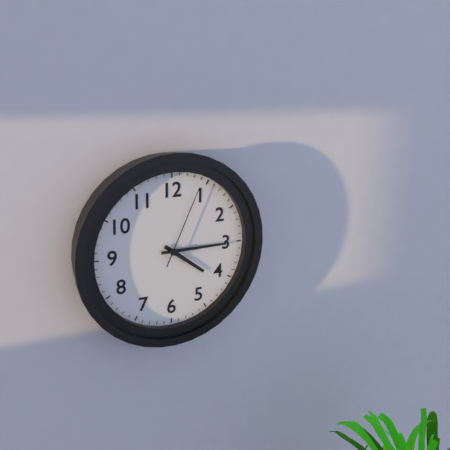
4:15:04
